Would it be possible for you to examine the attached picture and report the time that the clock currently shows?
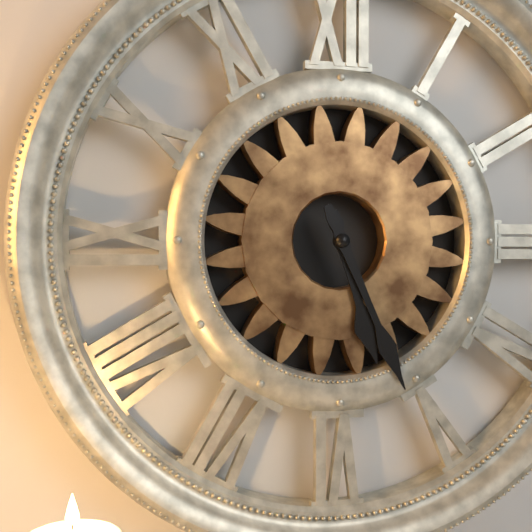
5:26
